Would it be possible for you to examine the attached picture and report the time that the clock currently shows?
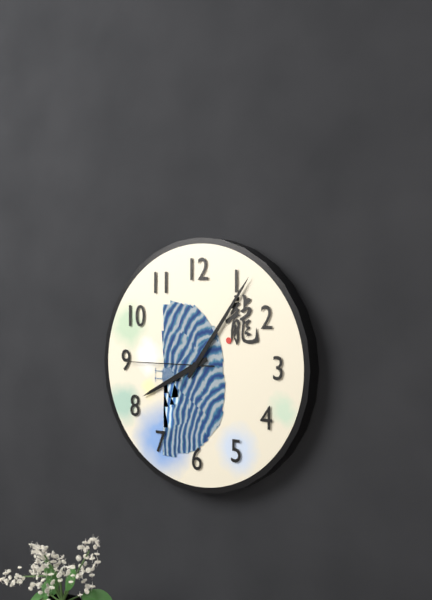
8:06:45
